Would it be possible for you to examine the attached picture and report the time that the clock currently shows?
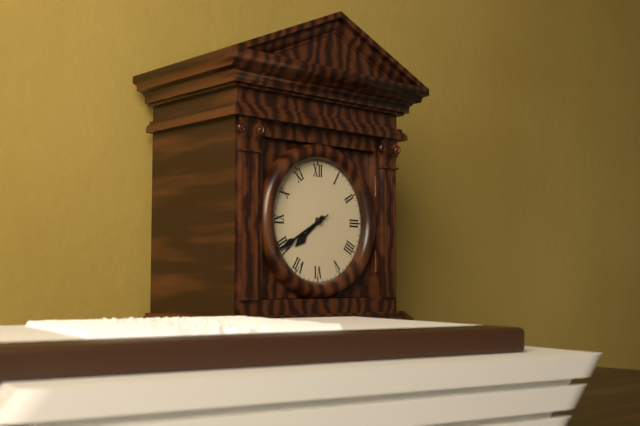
7:40:40
